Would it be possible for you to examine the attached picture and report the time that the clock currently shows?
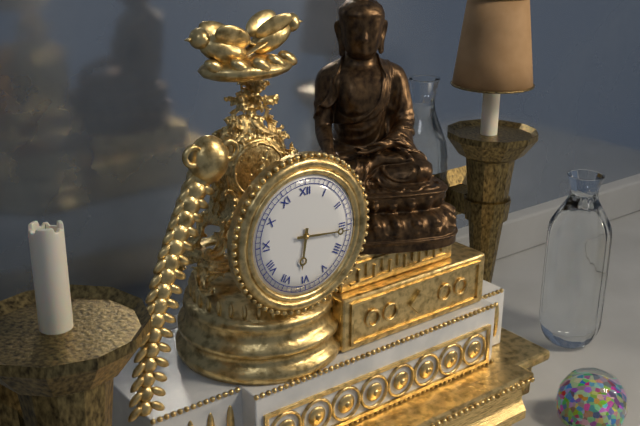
6:16
